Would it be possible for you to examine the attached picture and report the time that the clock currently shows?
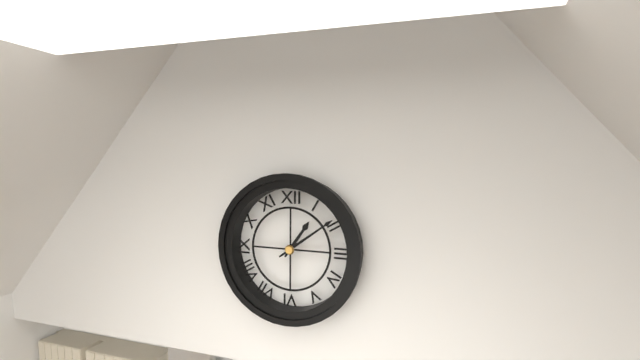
1:09
